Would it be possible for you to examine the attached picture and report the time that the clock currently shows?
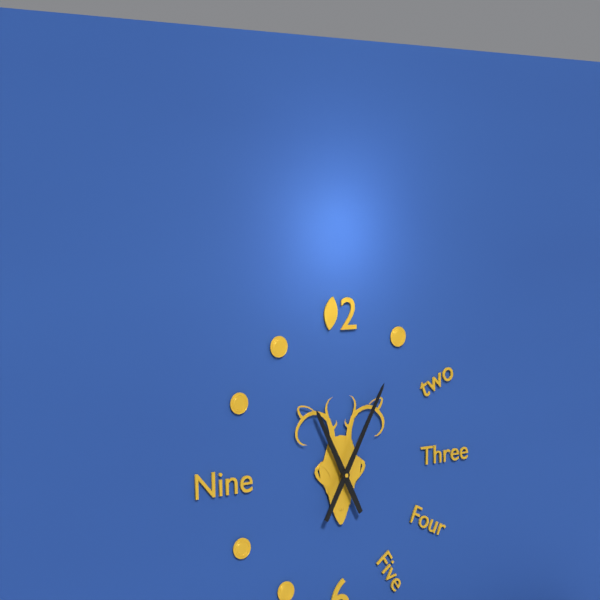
11:05
